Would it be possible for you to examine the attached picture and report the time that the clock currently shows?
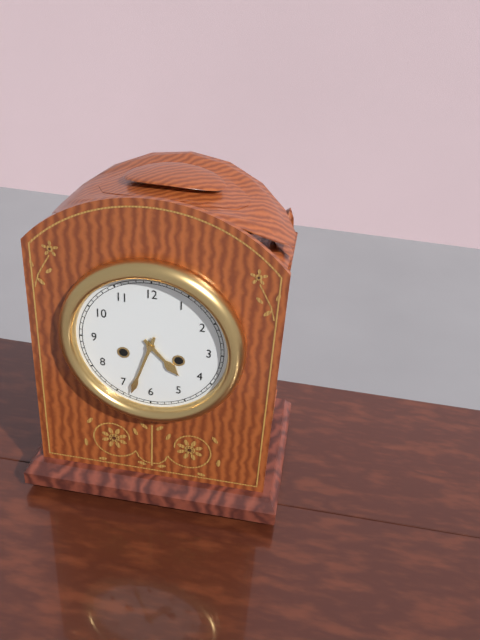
4:33
